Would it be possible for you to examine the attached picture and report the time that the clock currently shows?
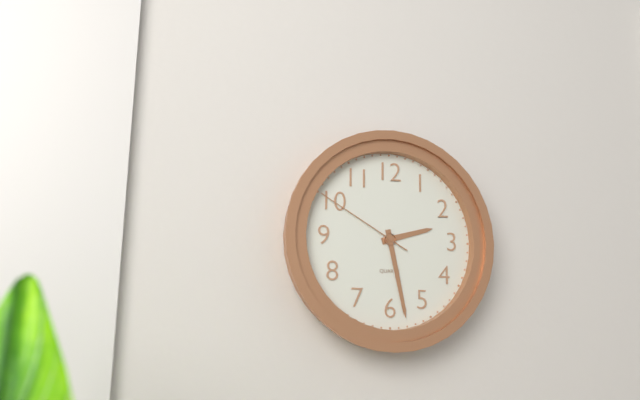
2:28:50
